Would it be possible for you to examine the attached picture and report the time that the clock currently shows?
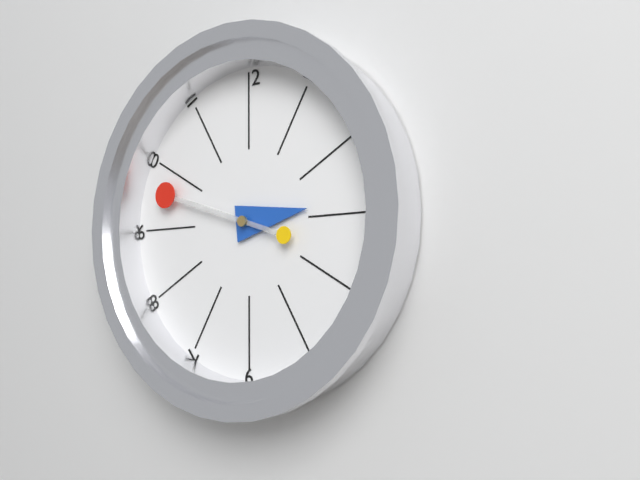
2:48
